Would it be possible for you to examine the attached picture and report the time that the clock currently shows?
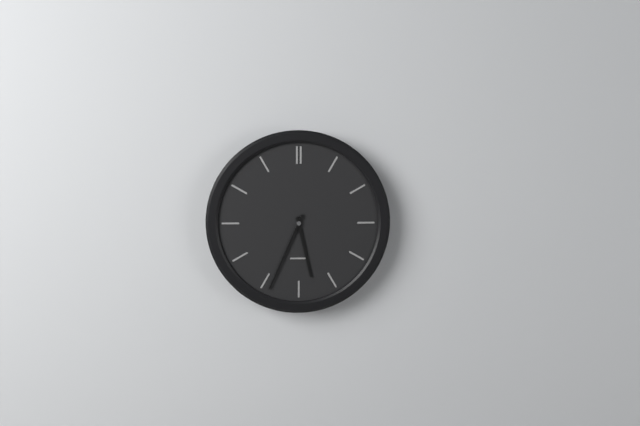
5:34
